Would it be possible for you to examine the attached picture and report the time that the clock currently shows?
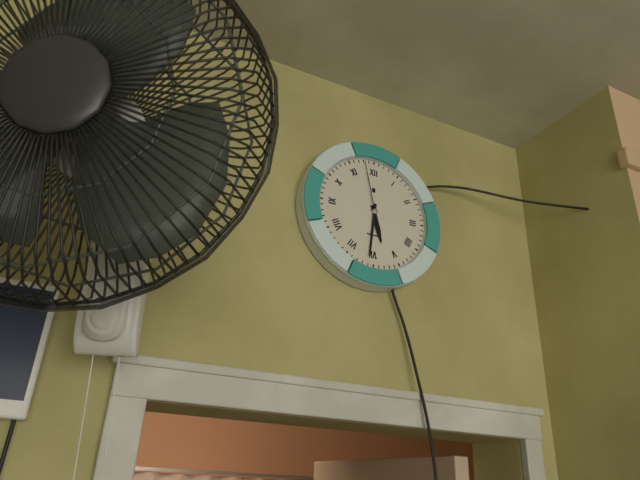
5:31:58
